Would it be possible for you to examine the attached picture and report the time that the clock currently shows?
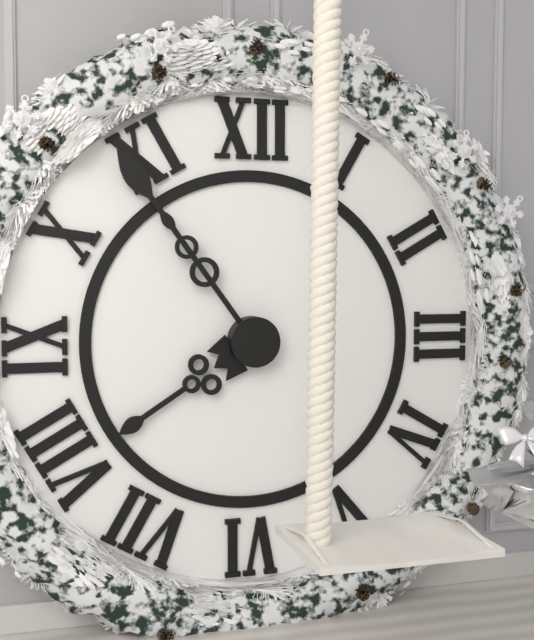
7:54
